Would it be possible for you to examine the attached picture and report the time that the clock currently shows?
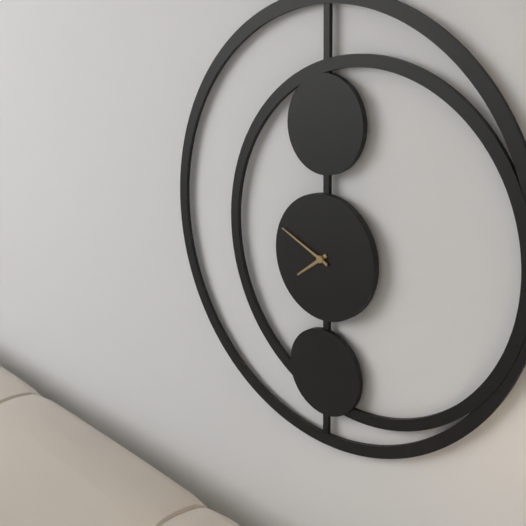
7:49
